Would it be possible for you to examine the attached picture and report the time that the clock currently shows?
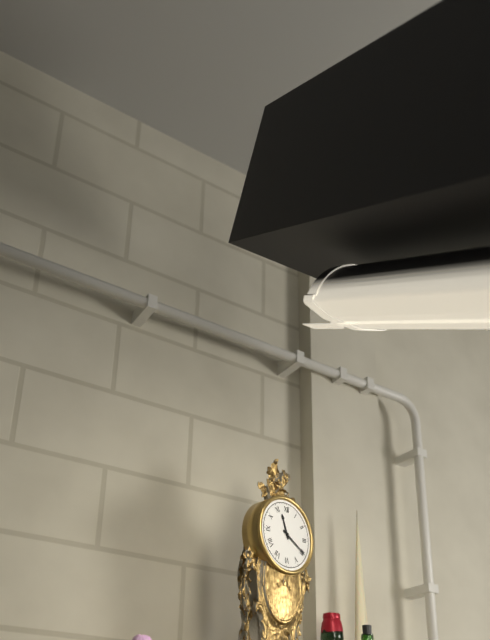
11:20
